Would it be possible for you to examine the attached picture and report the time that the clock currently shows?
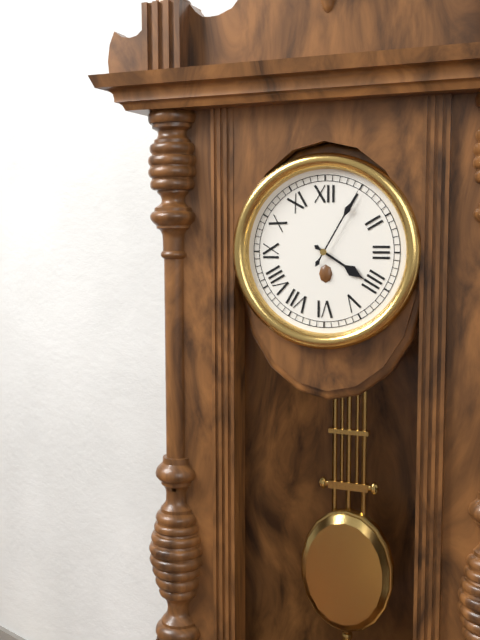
4:05
